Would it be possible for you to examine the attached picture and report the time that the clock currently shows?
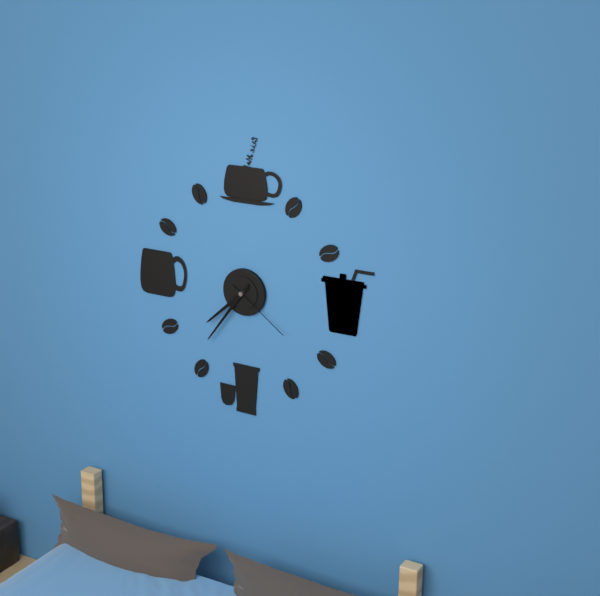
7:36:21
